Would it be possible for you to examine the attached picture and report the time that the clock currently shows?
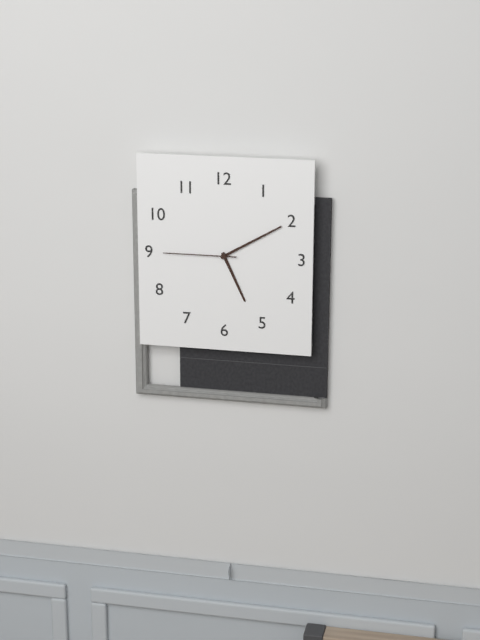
5:10:45
